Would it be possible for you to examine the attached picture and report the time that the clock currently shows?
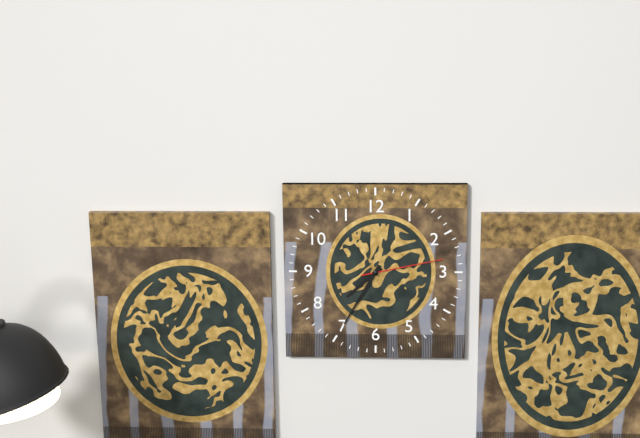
7:35:13
